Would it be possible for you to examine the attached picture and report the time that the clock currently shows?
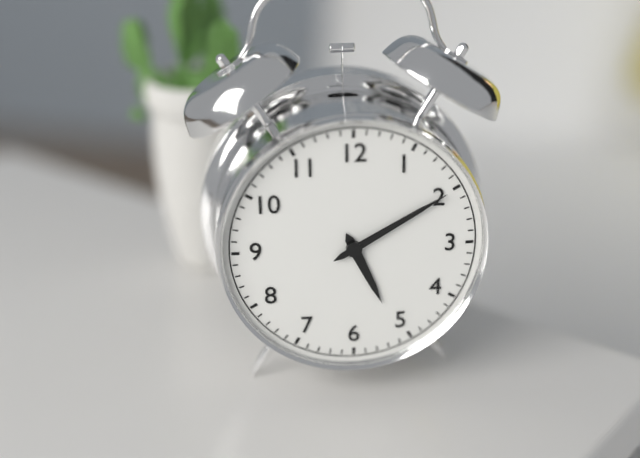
5:10
